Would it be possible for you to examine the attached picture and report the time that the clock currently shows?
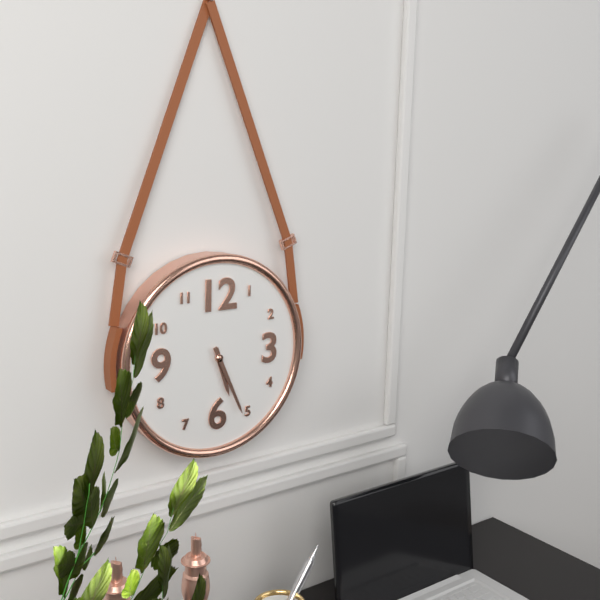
5:26
